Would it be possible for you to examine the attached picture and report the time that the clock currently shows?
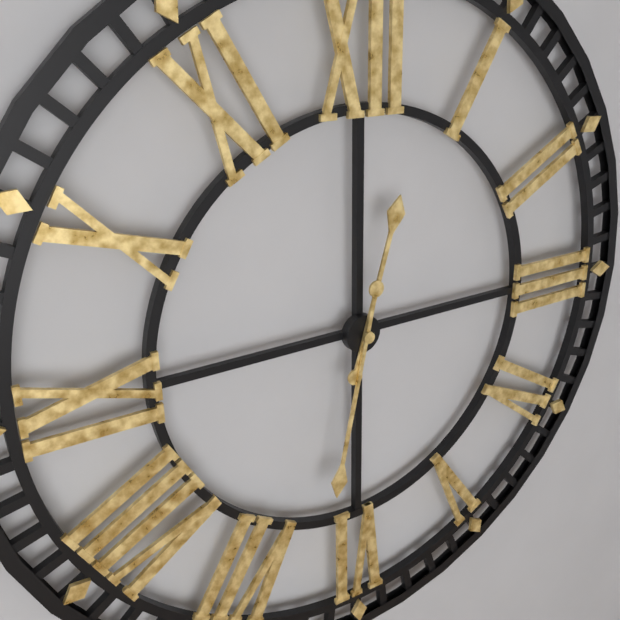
12:32
